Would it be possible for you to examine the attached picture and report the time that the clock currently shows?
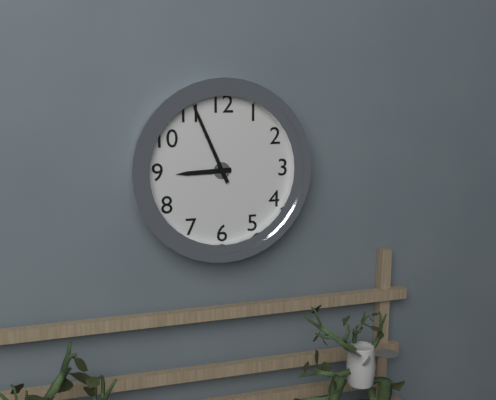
8:56
